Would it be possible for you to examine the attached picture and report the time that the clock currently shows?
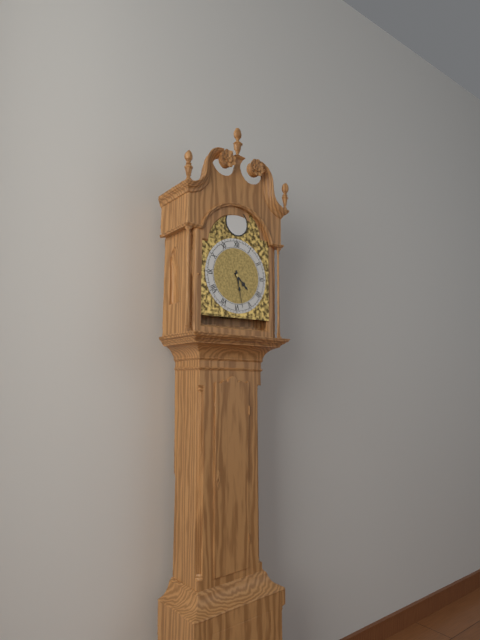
4:28
